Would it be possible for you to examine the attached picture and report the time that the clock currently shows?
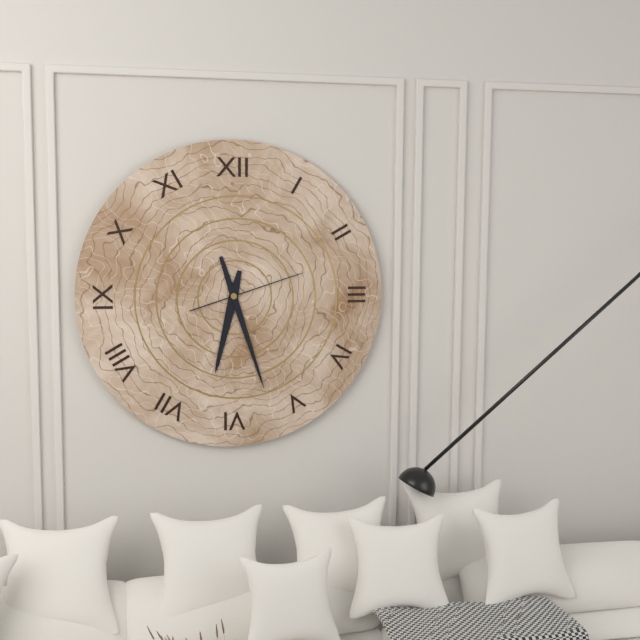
6:27:12
